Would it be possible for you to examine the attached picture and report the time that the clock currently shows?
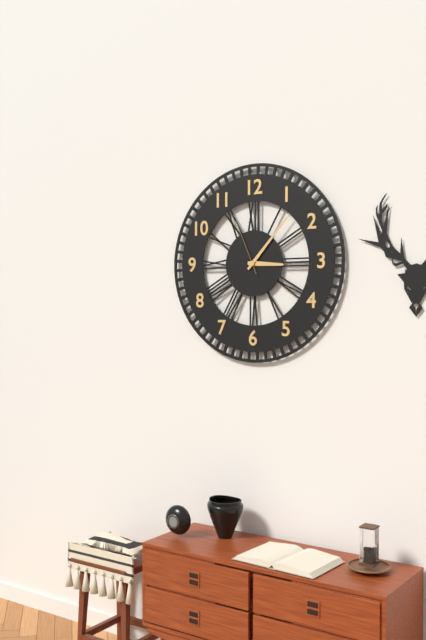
3:07:56
